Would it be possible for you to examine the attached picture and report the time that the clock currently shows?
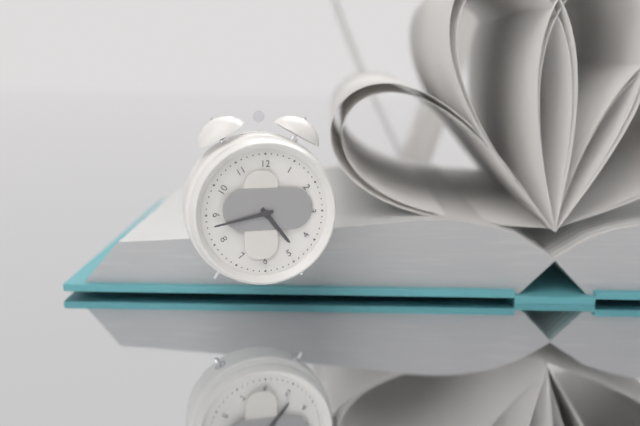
4:43
